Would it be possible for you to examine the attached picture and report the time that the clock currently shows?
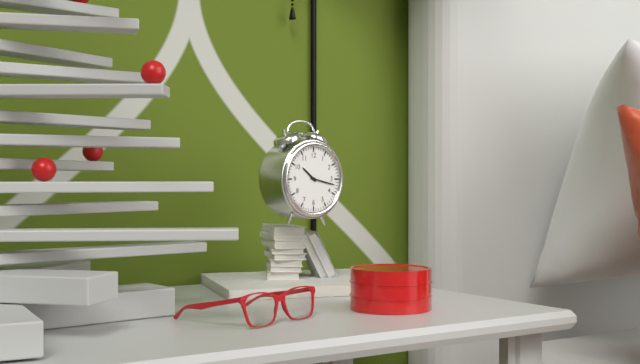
10:17
